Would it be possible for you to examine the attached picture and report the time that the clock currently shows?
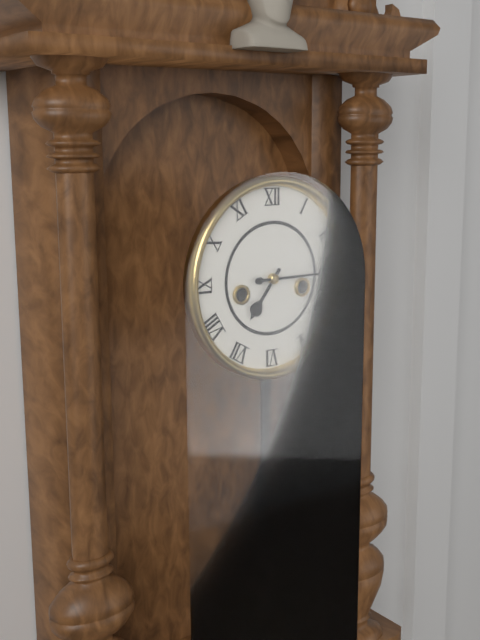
7:15
